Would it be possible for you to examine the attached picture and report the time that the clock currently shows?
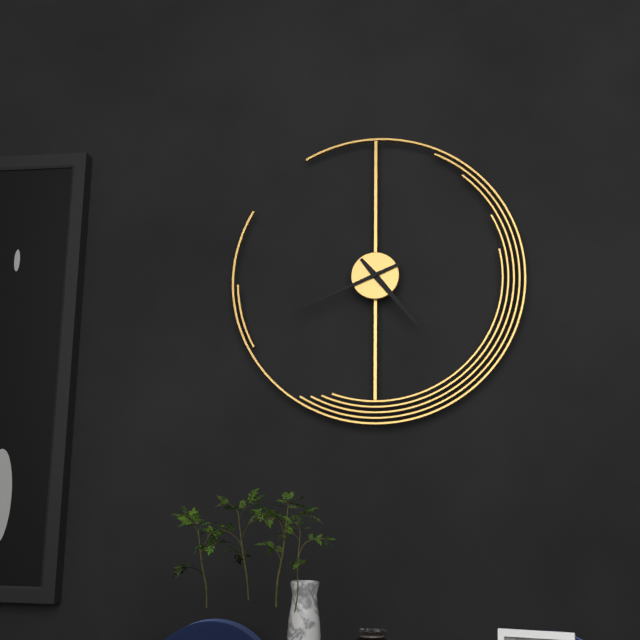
4:41
